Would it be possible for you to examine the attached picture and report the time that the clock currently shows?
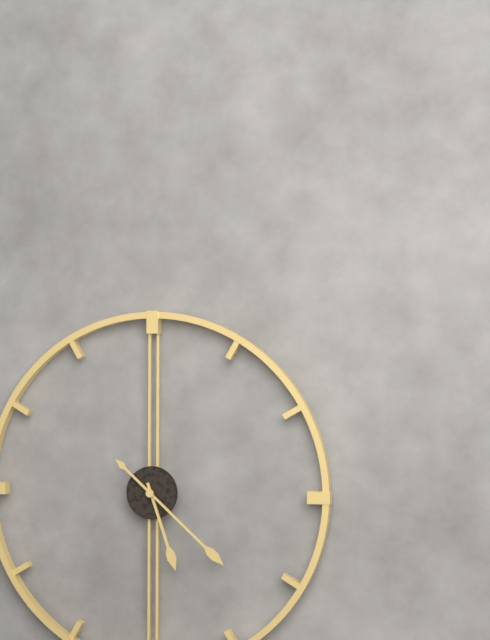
5:22
